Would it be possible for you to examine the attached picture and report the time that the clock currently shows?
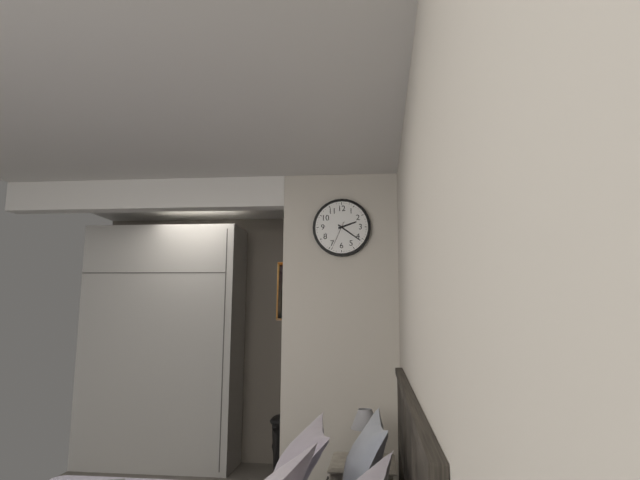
2:21
